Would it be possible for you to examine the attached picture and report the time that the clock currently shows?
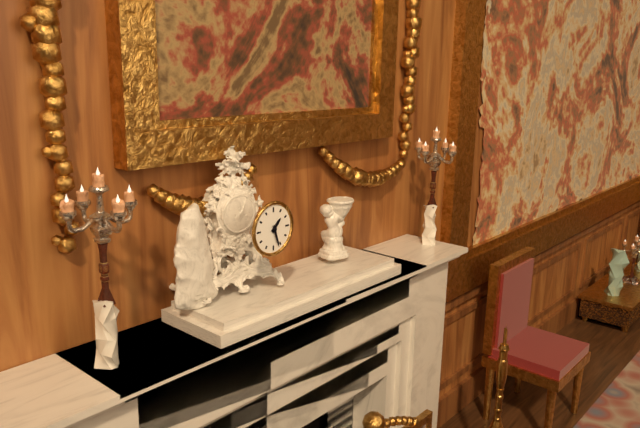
1:27
